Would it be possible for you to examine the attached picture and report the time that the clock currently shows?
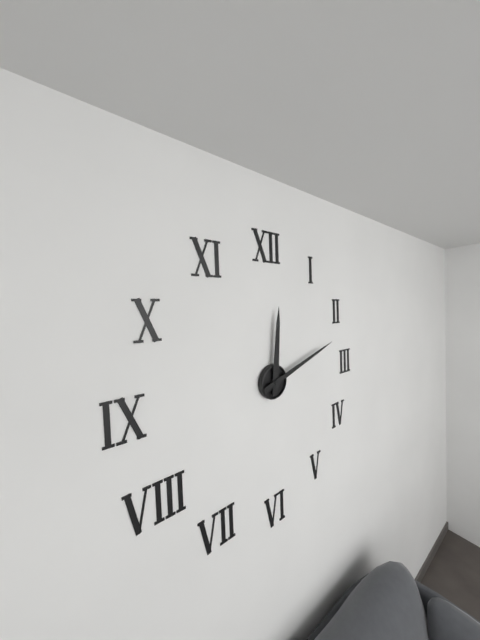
12:12
